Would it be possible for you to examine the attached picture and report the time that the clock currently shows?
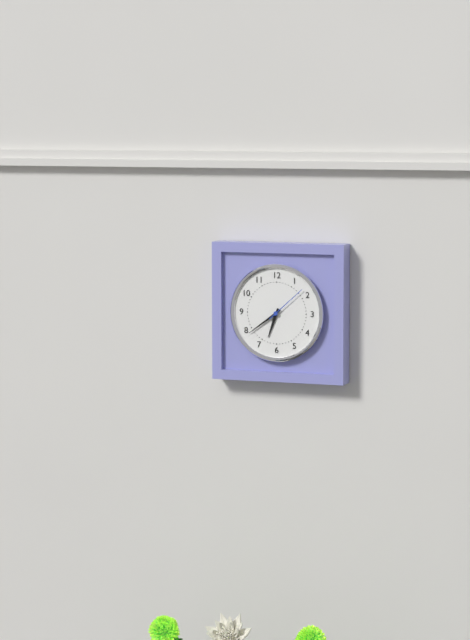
6:39
